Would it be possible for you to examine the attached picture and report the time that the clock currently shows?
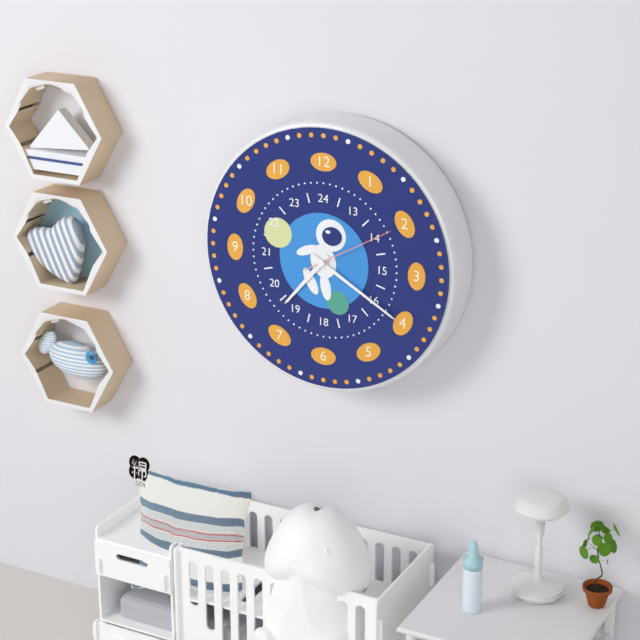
7:20:10
